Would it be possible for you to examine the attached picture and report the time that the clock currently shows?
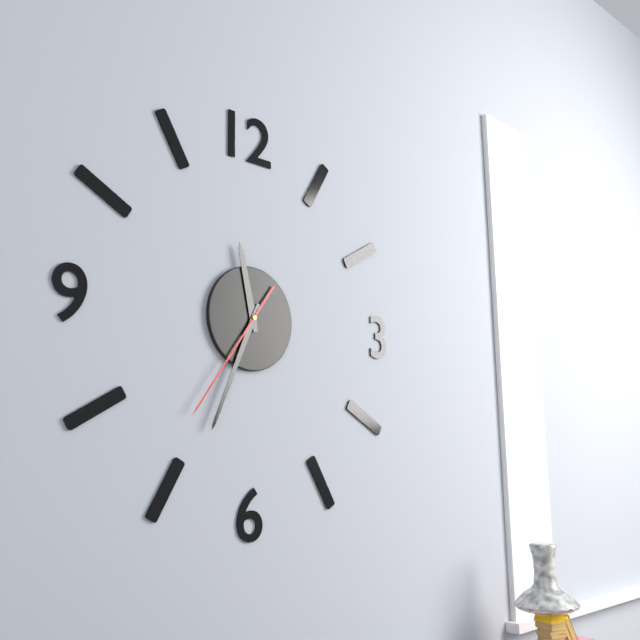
11:34:36
